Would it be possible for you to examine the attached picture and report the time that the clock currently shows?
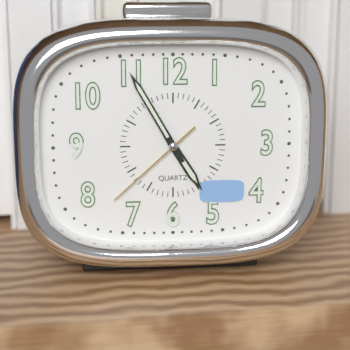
4:55:38
